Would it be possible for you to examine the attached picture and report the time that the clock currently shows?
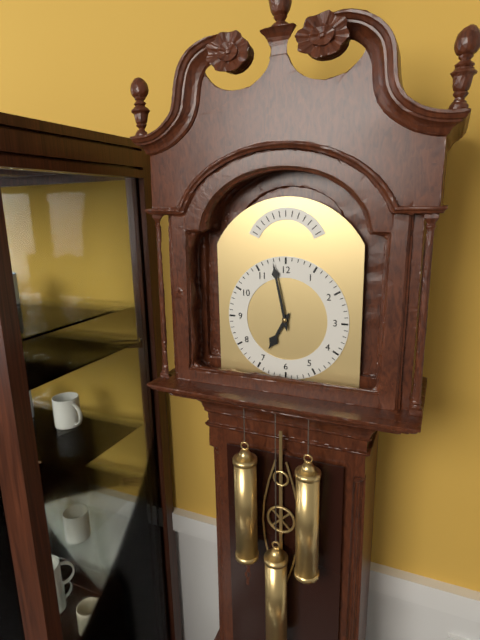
6:58
